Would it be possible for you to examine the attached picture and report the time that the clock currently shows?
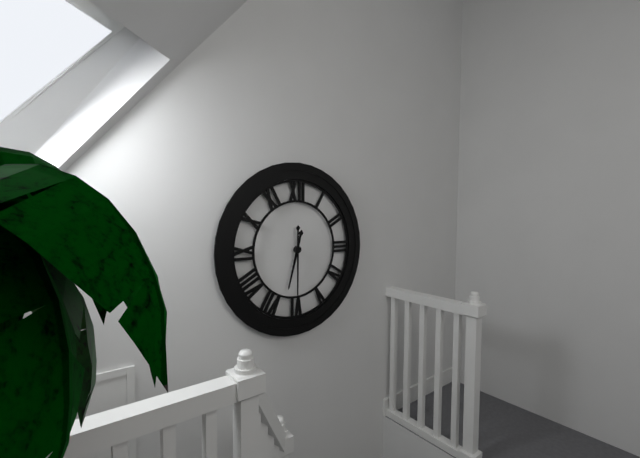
6:30
